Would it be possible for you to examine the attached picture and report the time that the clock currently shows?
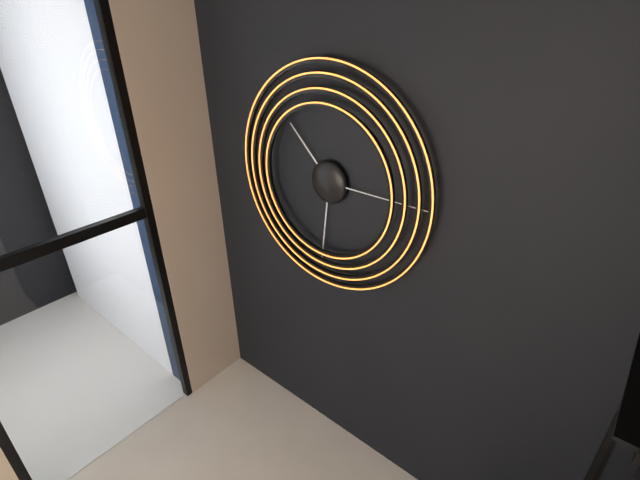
10:31:15
